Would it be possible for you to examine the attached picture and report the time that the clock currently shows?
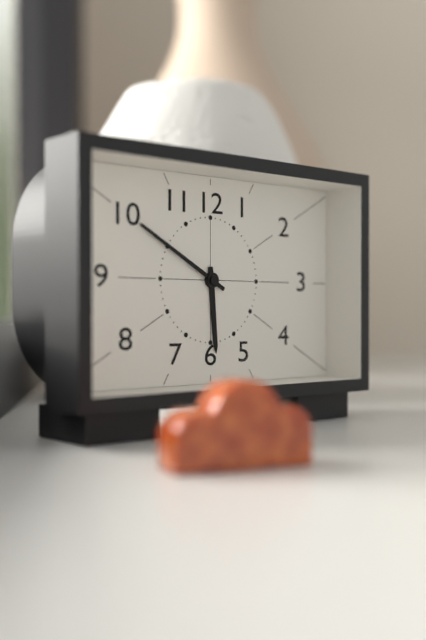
5:50
